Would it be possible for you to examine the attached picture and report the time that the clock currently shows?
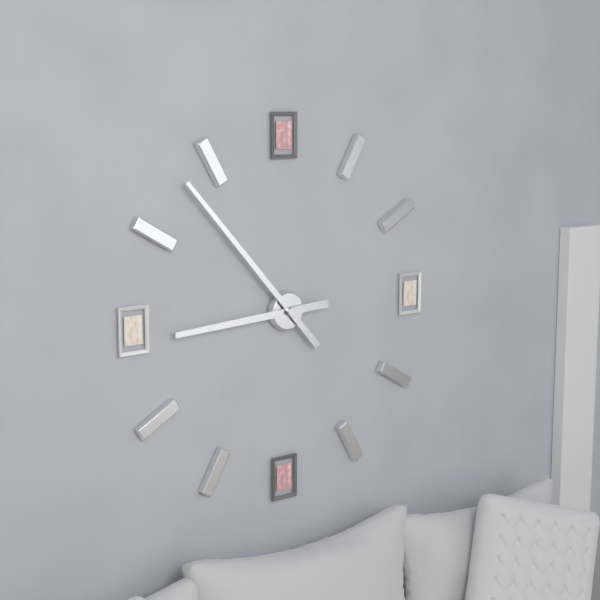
8:53
